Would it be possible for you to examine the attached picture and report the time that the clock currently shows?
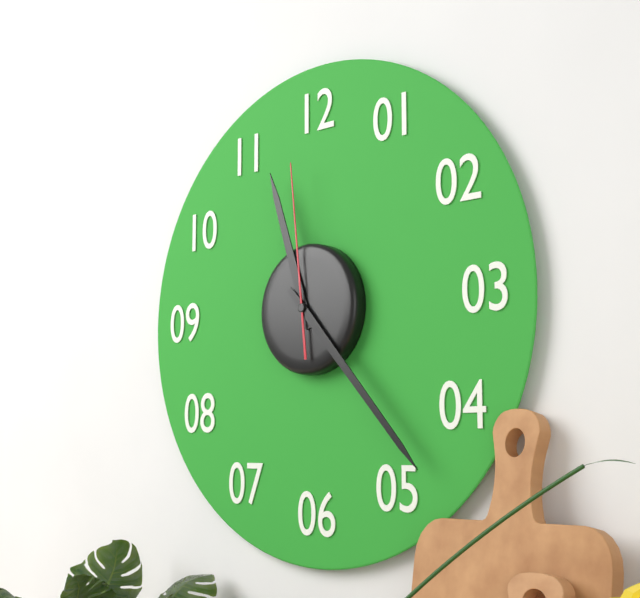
11:23:59
